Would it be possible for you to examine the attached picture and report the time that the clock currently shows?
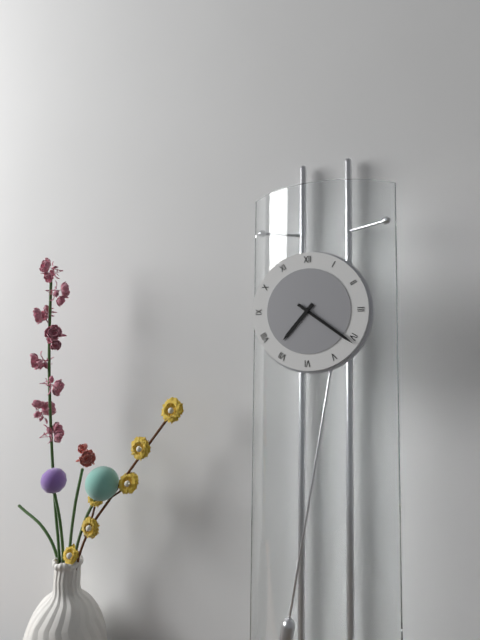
7:21
